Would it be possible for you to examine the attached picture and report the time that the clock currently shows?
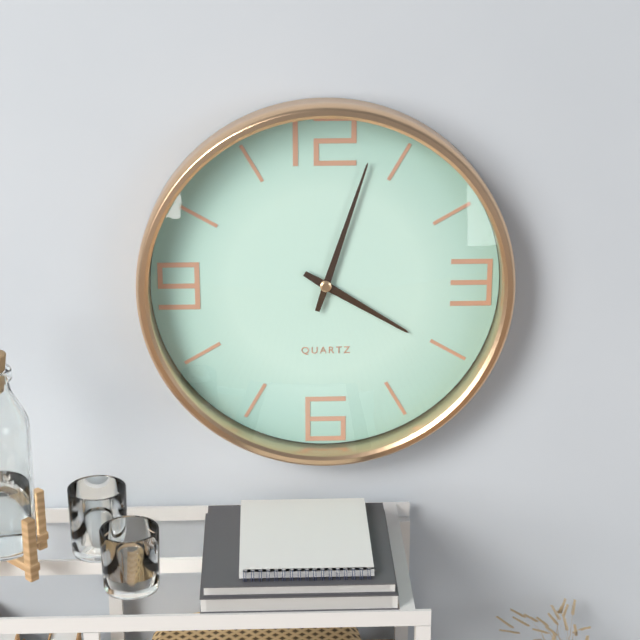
4:03
